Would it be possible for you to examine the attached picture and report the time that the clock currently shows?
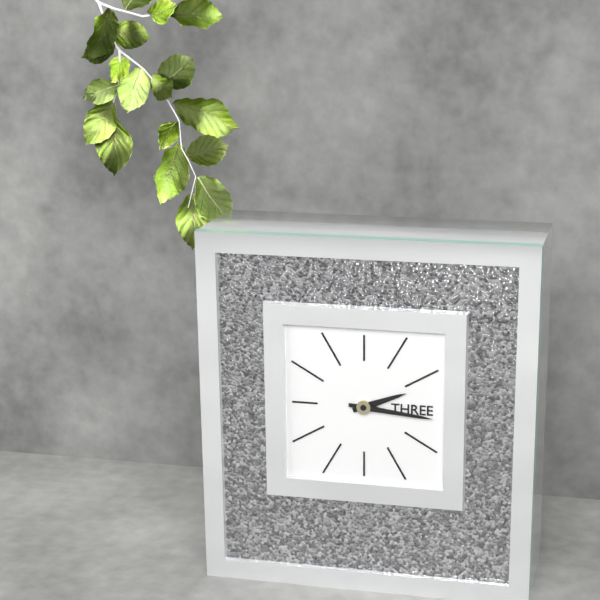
2:16
